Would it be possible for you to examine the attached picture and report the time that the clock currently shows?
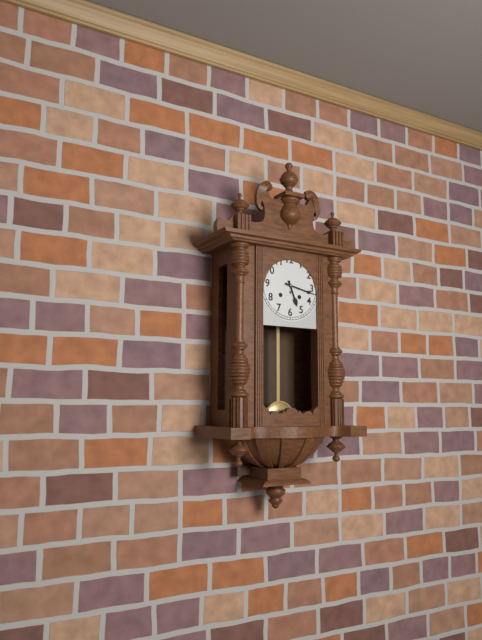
5:17
